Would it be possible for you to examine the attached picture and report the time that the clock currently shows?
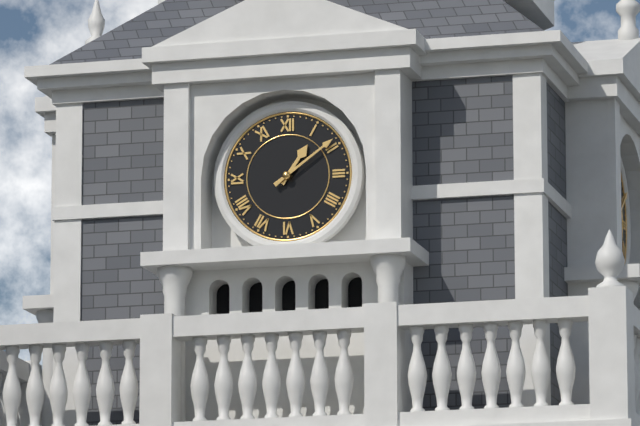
1:09
